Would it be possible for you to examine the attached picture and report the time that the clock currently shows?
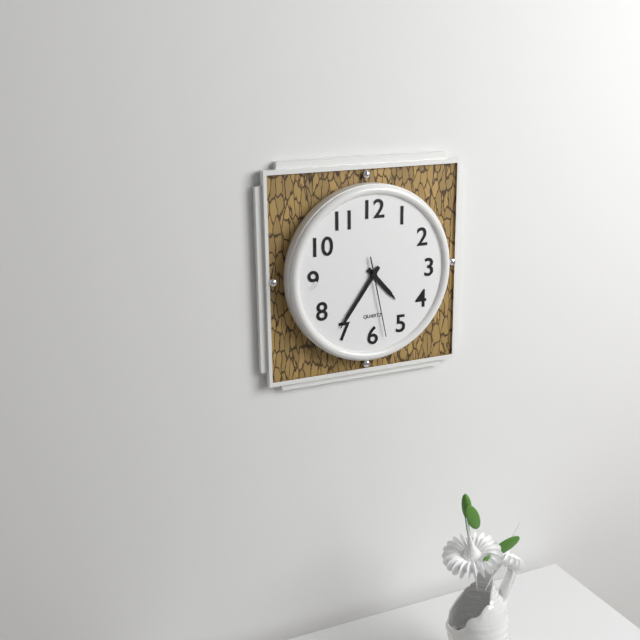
4:36:28
